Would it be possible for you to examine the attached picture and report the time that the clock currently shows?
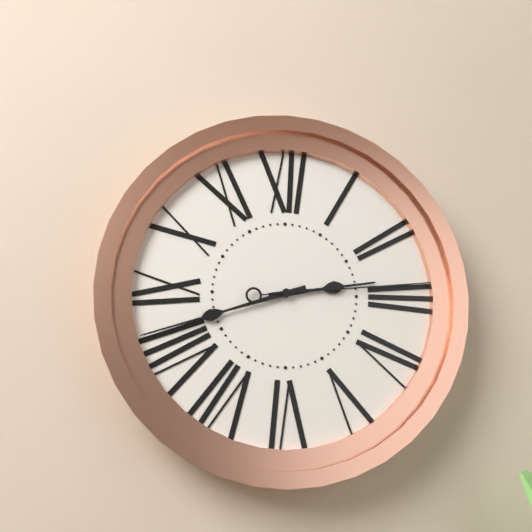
2:42:14
